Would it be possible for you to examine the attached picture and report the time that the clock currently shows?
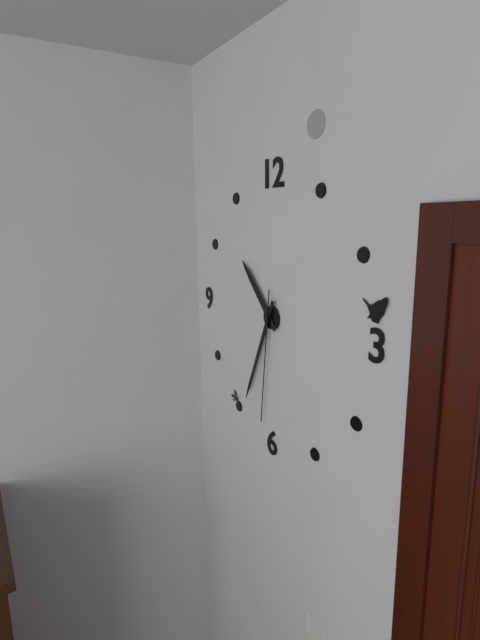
10:34:31
